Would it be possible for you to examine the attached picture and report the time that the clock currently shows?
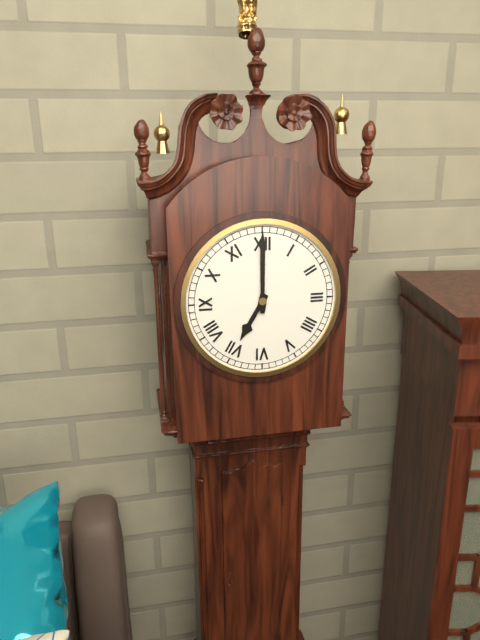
7:00
